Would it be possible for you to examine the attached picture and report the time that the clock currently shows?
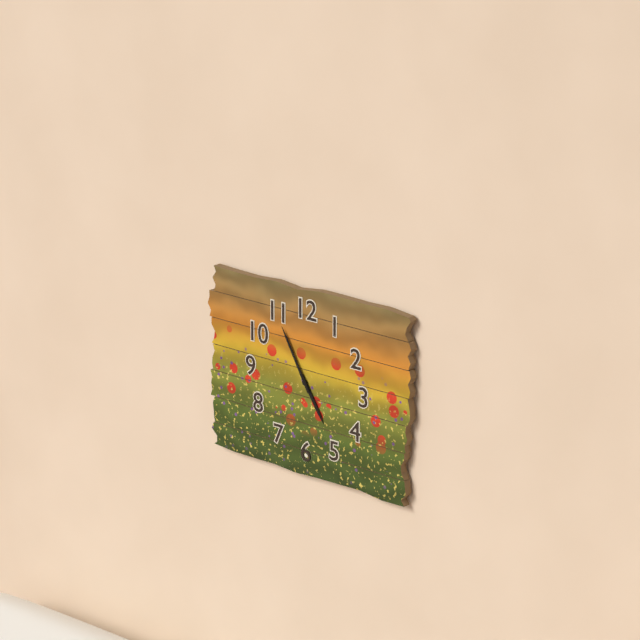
4:55
